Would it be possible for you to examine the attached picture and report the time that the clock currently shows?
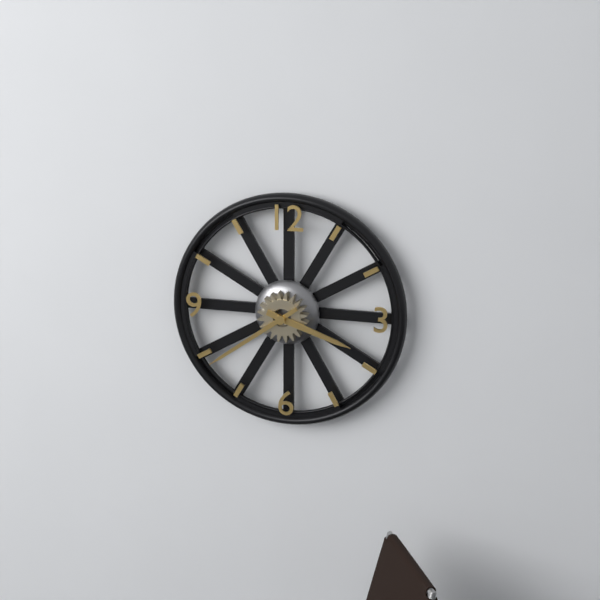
3:39
